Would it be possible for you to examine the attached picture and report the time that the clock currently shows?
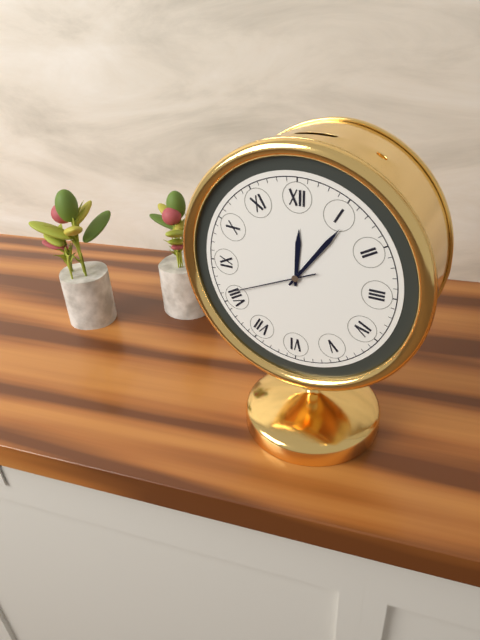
12:06:41
